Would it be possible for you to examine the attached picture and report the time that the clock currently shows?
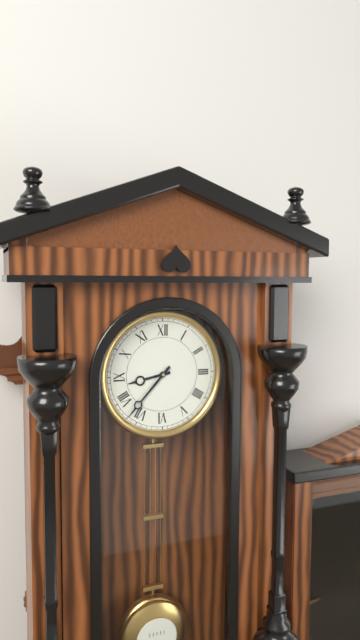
8:37
